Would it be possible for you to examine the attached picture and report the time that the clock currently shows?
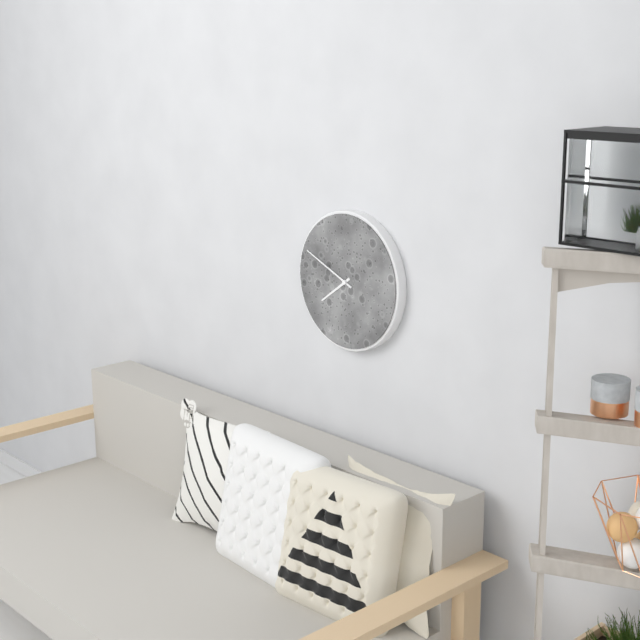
7:49
